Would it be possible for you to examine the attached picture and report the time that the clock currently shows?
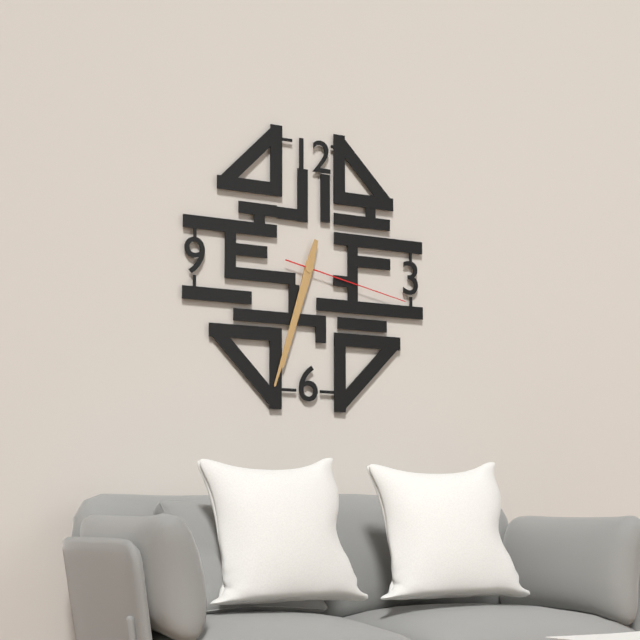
6:33:17
